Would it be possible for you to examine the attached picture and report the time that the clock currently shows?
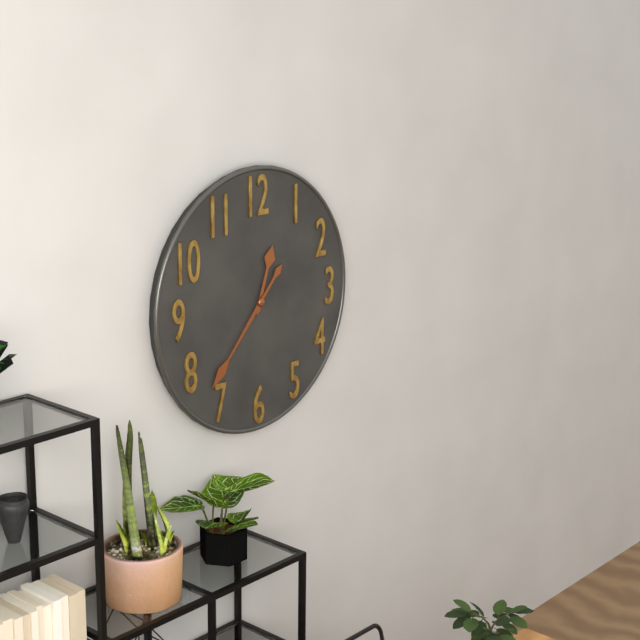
12:37
